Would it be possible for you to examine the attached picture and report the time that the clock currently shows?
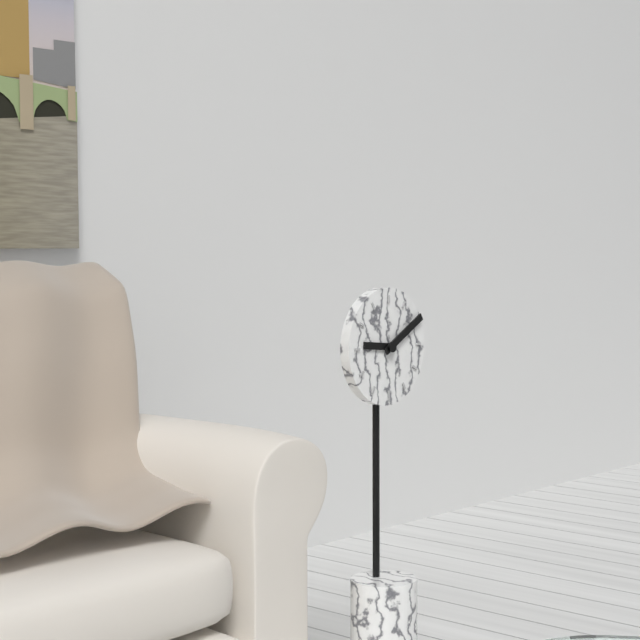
9:10
